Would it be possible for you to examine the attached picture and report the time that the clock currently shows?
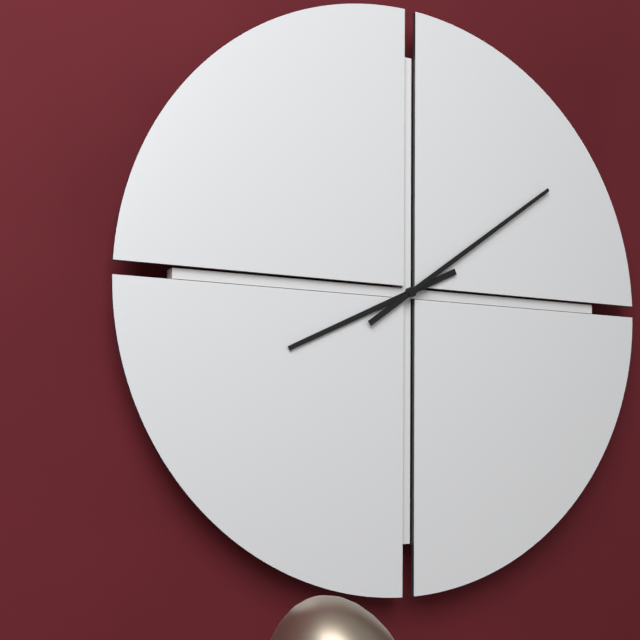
8:09
